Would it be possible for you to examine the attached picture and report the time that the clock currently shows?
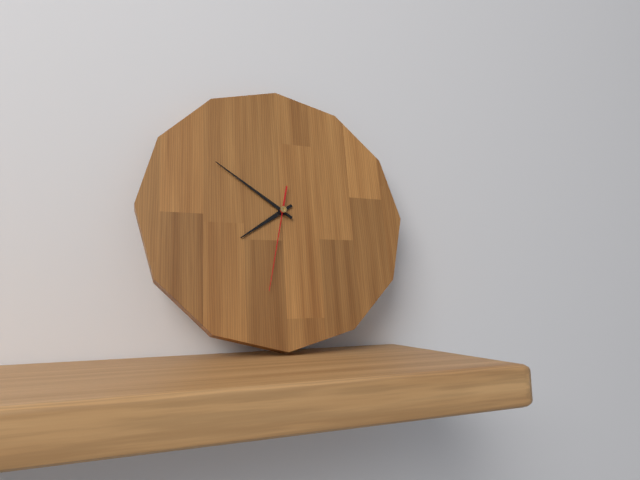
7:51:32
